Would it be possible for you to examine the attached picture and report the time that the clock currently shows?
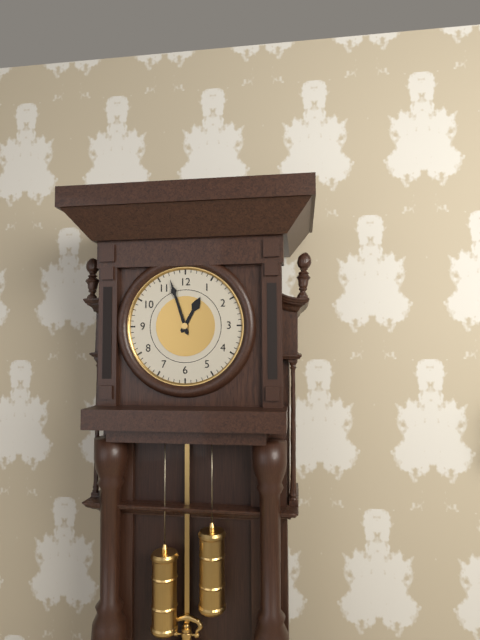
12:57
